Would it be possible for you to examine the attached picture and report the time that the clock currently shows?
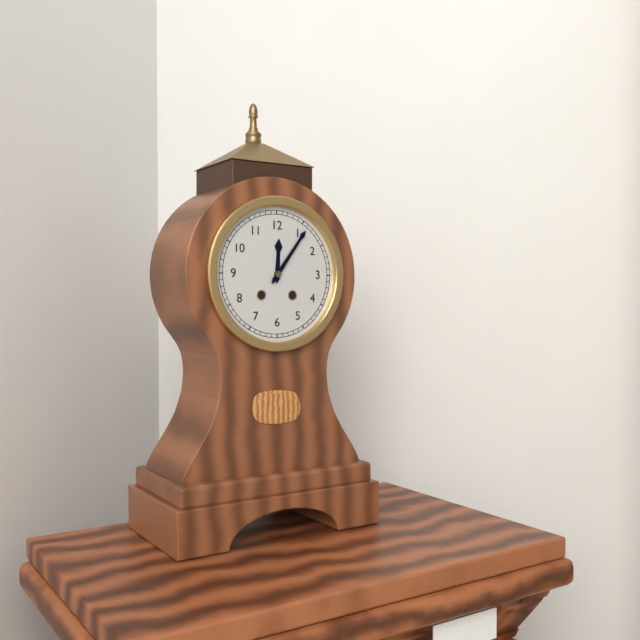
12:06
